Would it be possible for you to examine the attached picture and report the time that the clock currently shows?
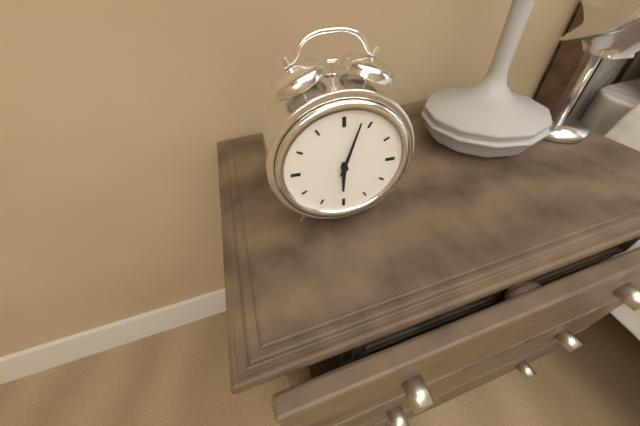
6:03
